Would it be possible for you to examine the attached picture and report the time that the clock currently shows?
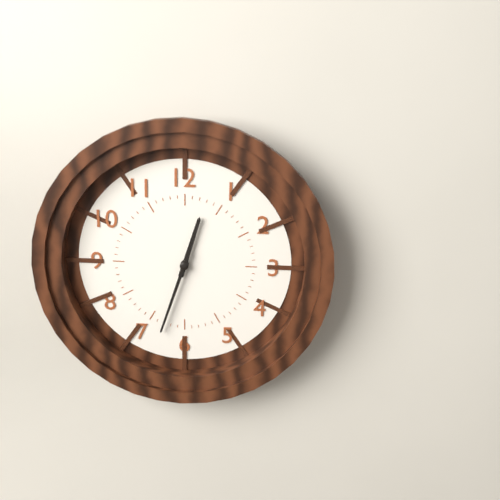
12:33
